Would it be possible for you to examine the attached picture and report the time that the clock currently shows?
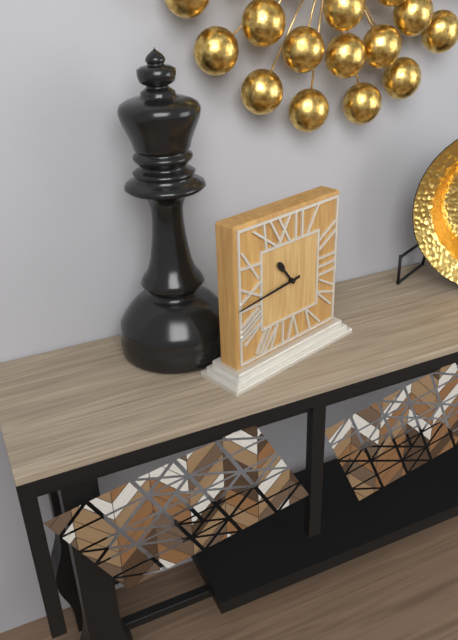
10:44
